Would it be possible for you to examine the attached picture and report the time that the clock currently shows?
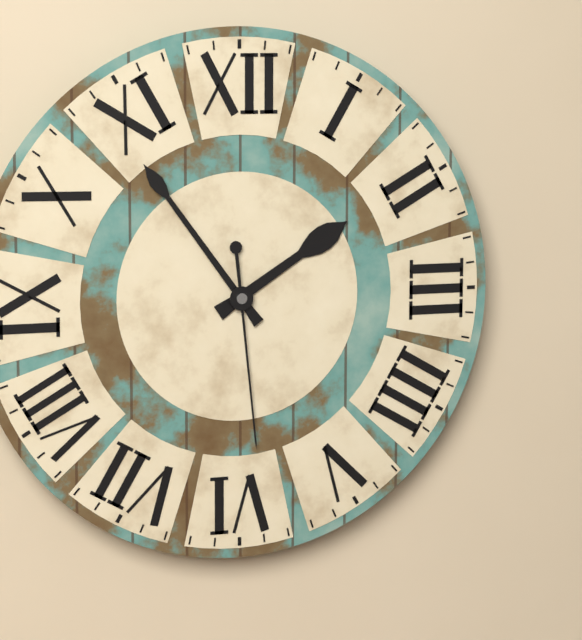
1:54:29
